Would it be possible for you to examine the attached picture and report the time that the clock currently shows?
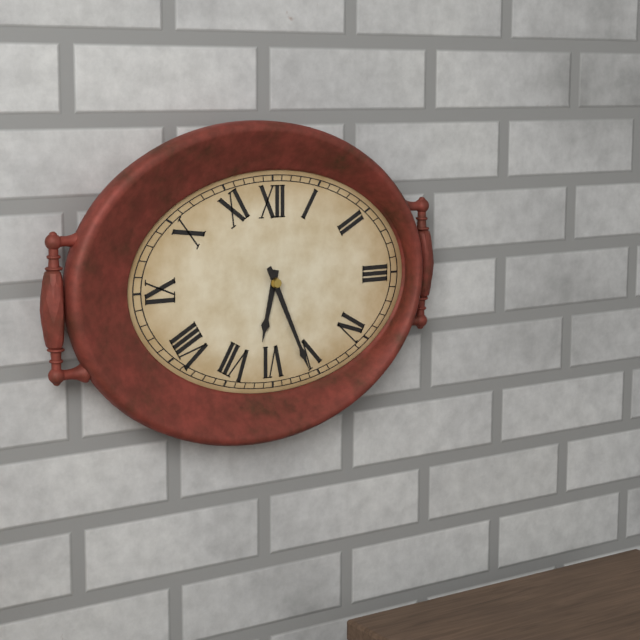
6:26
